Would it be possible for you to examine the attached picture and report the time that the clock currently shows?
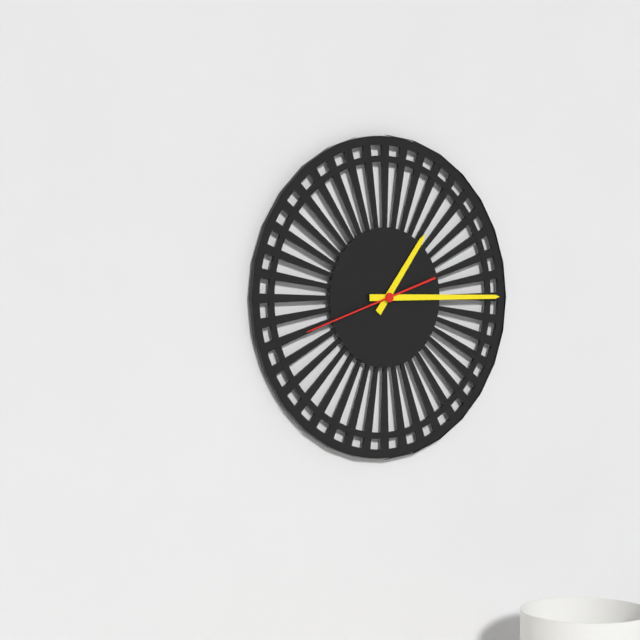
1:15:42
